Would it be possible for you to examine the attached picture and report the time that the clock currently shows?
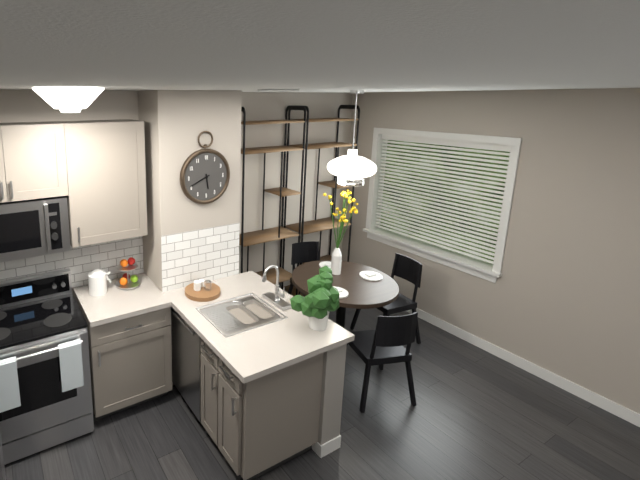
5:41
